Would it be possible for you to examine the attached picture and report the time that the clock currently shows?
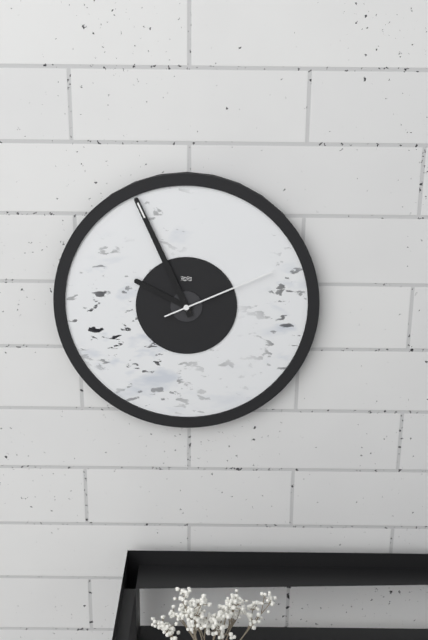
9:56:11
